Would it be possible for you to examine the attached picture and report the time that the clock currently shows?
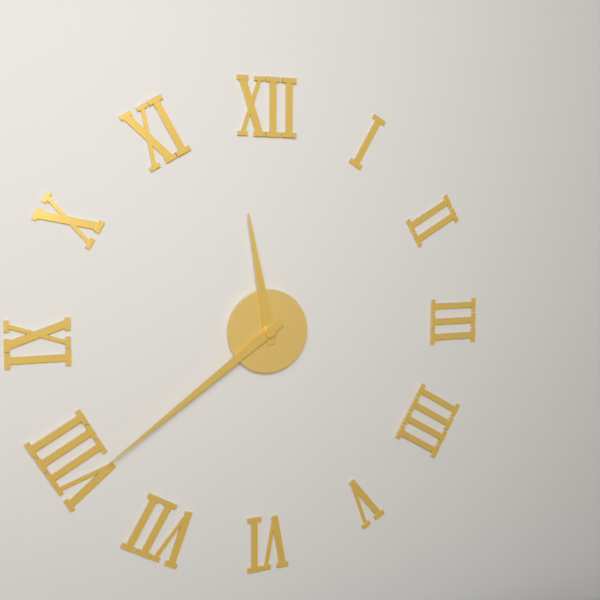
11:39
